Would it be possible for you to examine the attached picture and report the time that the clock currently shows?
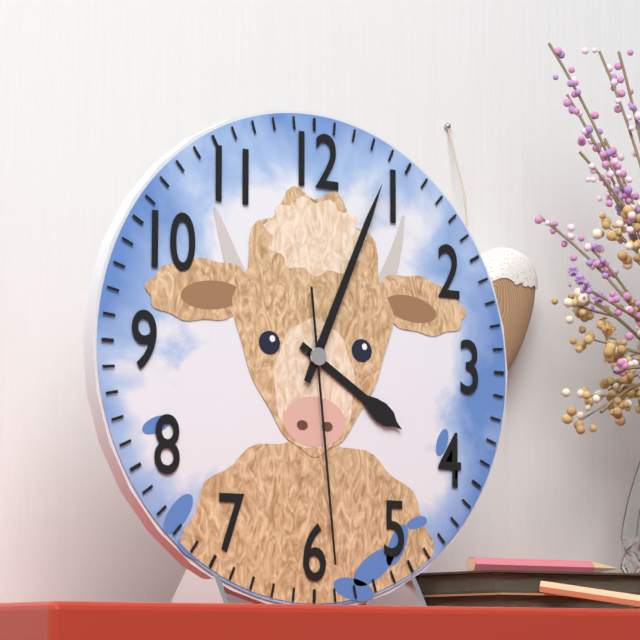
4:04:29
